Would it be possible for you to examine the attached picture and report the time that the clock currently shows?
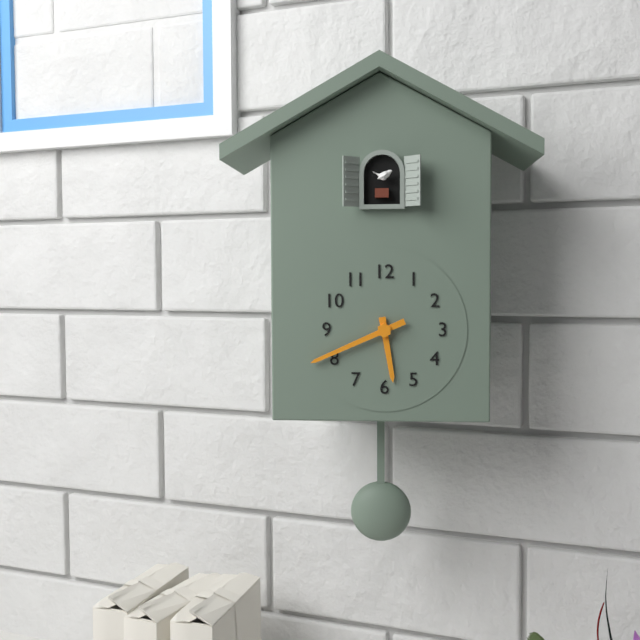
5:41
